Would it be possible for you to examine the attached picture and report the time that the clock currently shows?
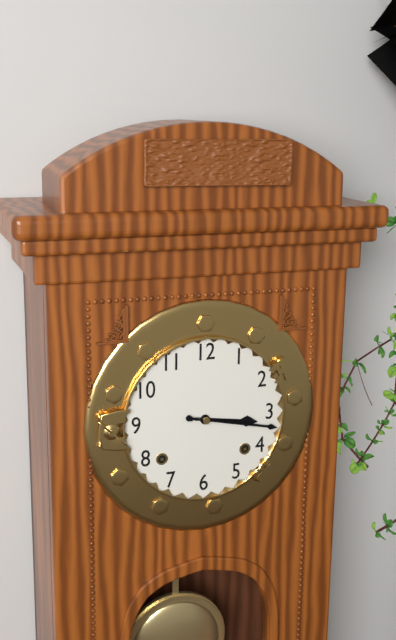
3:17
